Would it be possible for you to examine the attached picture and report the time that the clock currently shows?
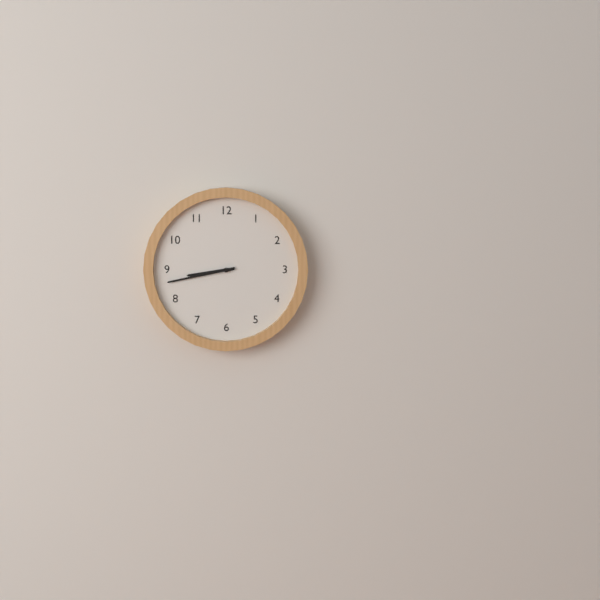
8:43
